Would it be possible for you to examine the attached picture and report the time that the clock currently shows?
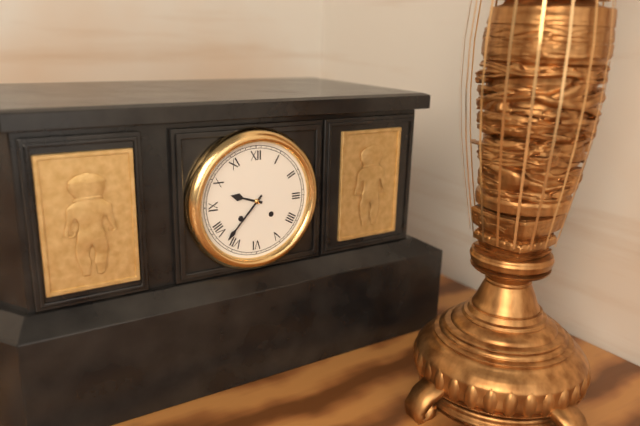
9:37
